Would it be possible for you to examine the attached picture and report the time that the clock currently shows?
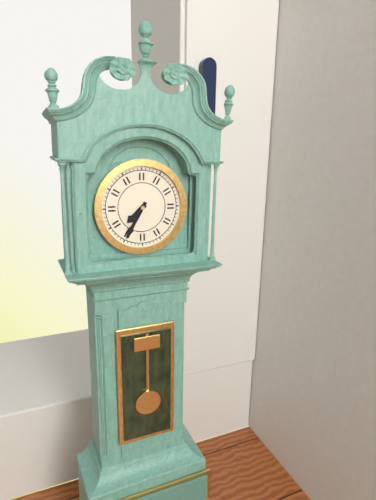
7:35
